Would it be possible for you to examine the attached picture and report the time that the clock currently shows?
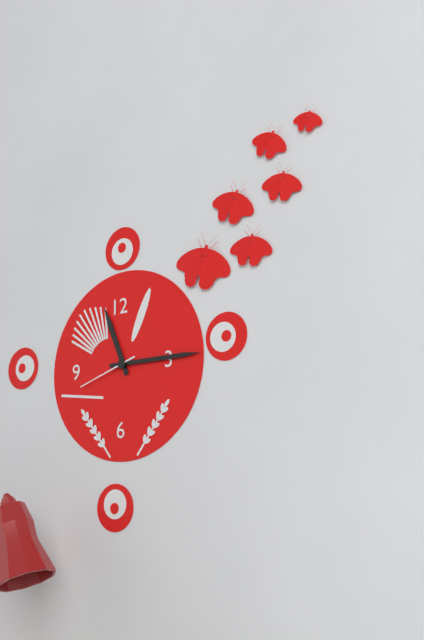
11:15:42
